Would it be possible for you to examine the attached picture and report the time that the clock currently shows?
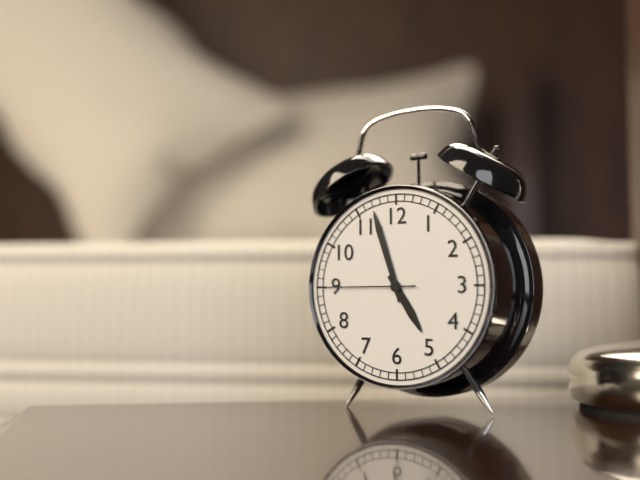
4:57:45
